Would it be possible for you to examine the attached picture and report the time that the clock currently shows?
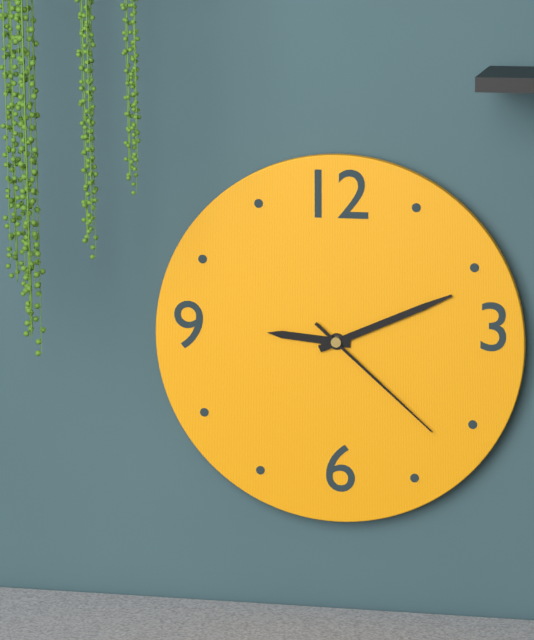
9:11:22
